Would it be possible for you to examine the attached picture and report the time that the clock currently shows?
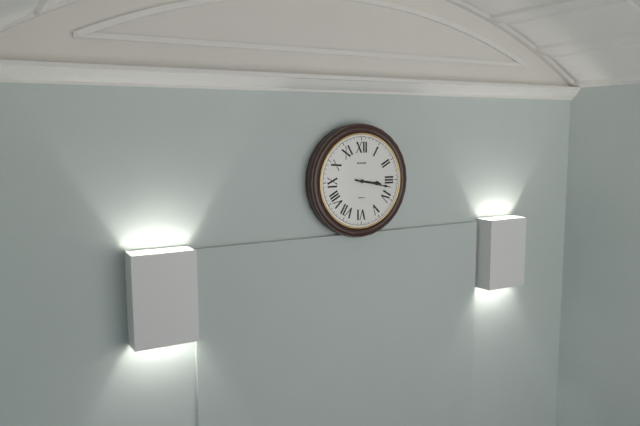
3:17
